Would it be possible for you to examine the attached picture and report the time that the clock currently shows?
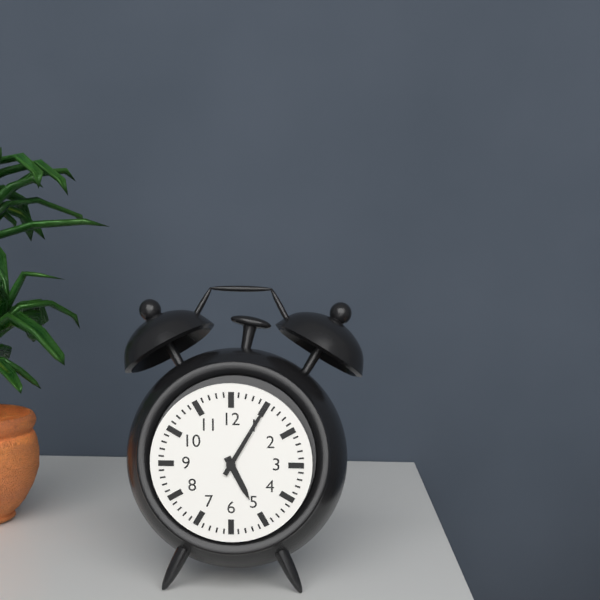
5:05
